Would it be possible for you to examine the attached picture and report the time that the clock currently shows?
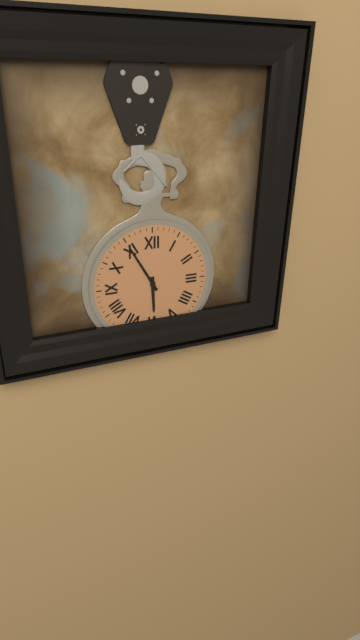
5:55
